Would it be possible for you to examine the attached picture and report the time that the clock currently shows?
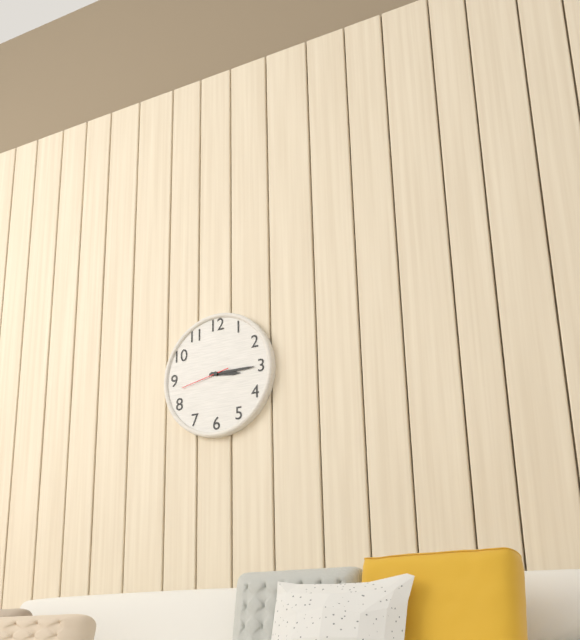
3:15
